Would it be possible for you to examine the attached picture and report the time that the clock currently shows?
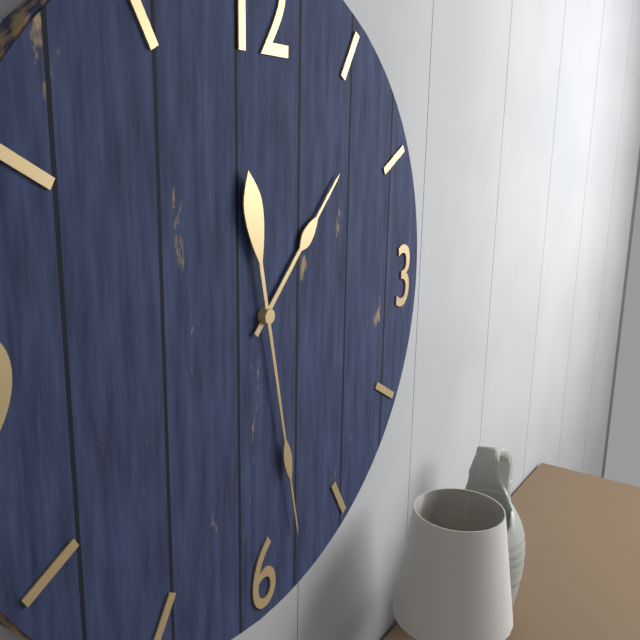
1:28
